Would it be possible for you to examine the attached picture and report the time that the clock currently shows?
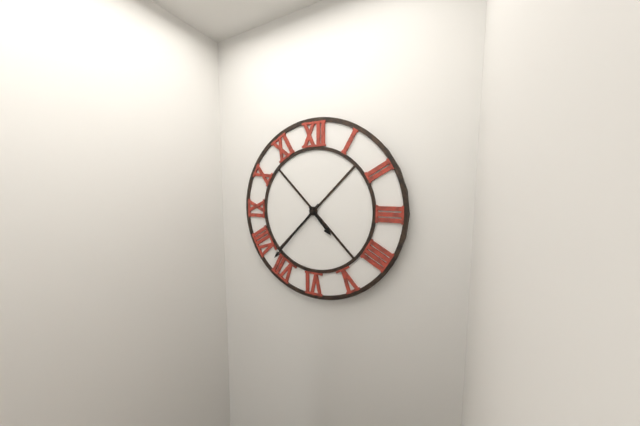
4:37
